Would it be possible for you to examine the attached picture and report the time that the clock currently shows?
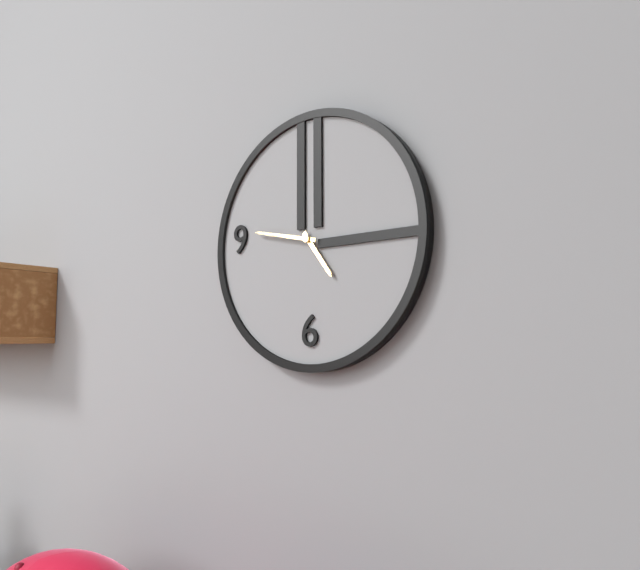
4:47
